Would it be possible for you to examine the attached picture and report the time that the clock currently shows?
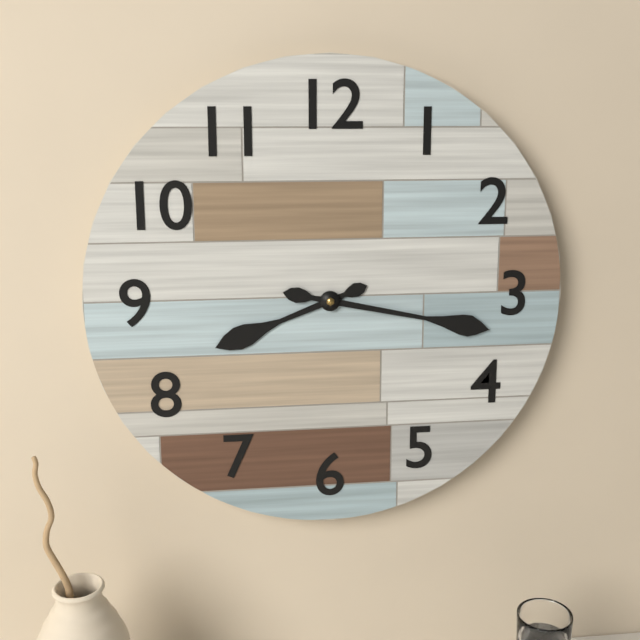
8:17
